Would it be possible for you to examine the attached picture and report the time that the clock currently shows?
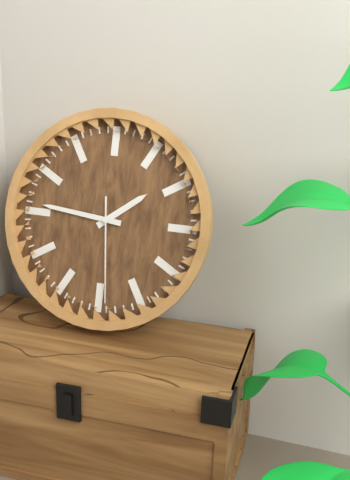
1:46:29
